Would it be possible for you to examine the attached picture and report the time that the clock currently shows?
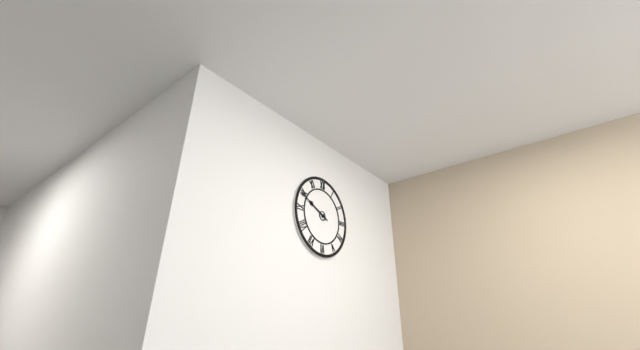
9:49
